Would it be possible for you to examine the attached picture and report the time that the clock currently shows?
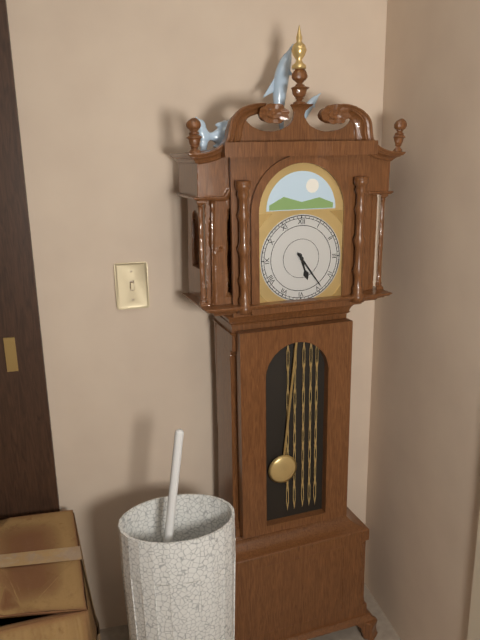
5:24
